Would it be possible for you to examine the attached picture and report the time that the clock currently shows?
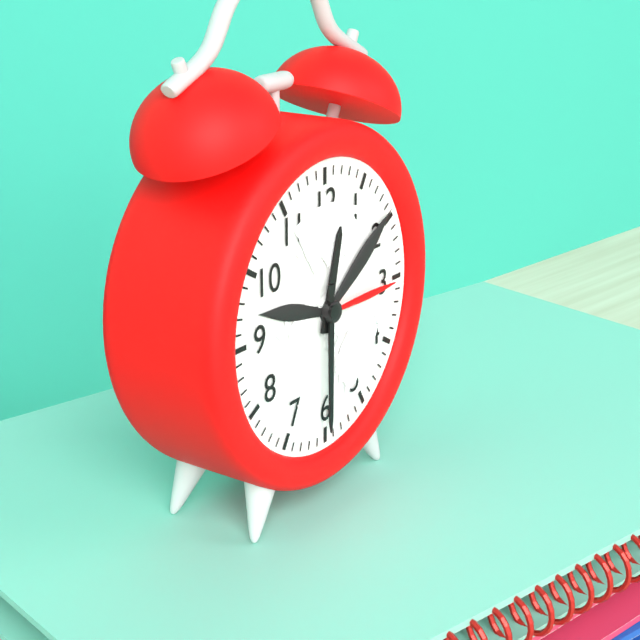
12:30
